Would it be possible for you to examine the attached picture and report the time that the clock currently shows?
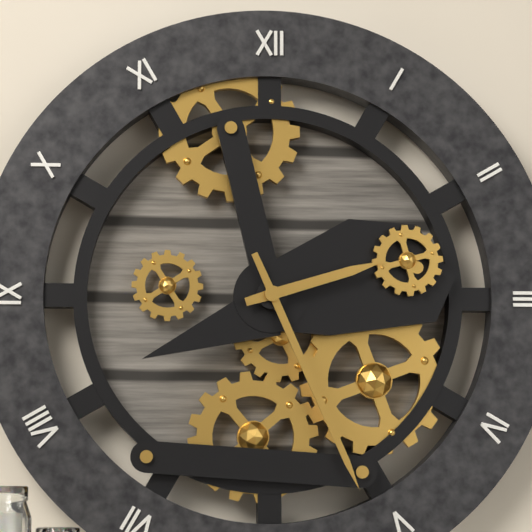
2:26
